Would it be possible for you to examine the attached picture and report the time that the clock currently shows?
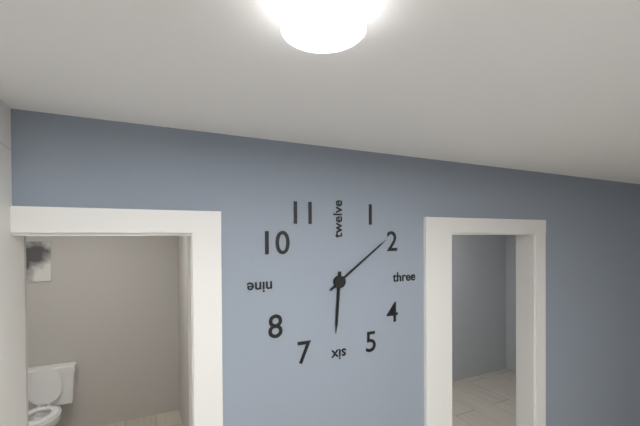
6:09
